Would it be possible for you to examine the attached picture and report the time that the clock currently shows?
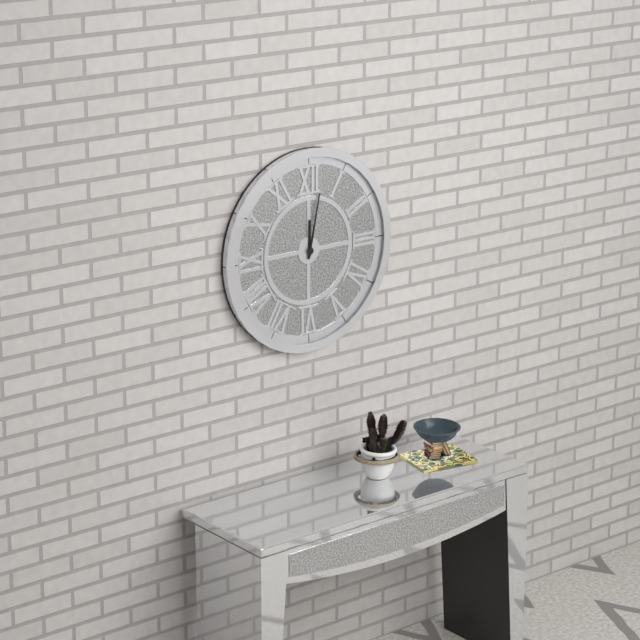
12:02
